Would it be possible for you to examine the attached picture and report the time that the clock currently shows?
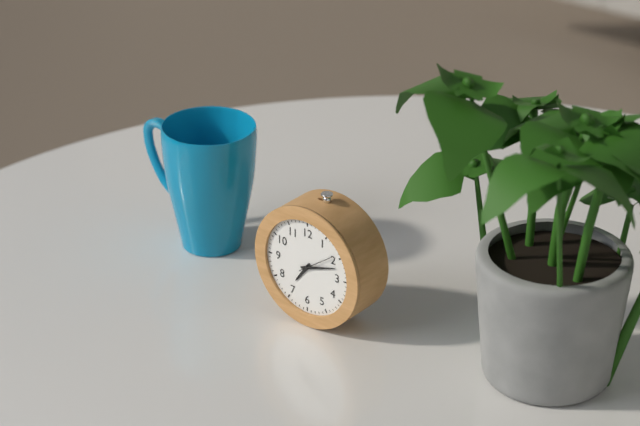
7:12
